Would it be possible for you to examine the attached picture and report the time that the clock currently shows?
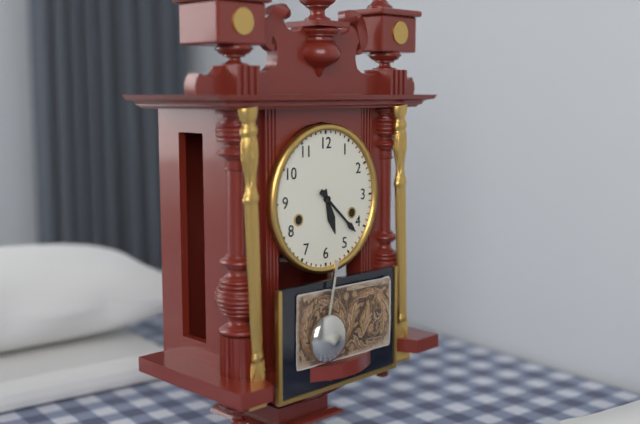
5:22
